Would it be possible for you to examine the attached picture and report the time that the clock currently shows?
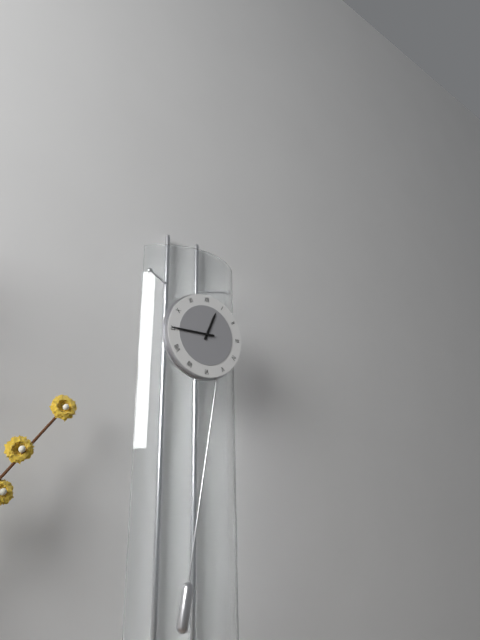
12:45
